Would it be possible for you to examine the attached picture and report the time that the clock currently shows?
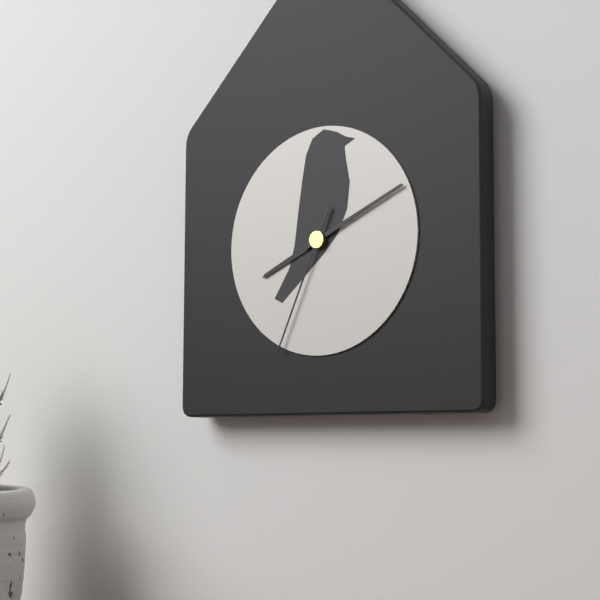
8:11:34
